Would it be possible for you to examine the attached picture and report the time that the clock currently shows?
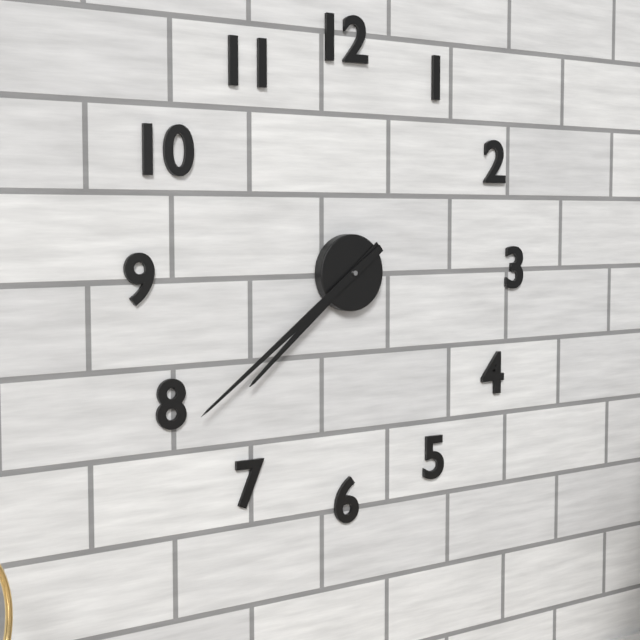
7:39
